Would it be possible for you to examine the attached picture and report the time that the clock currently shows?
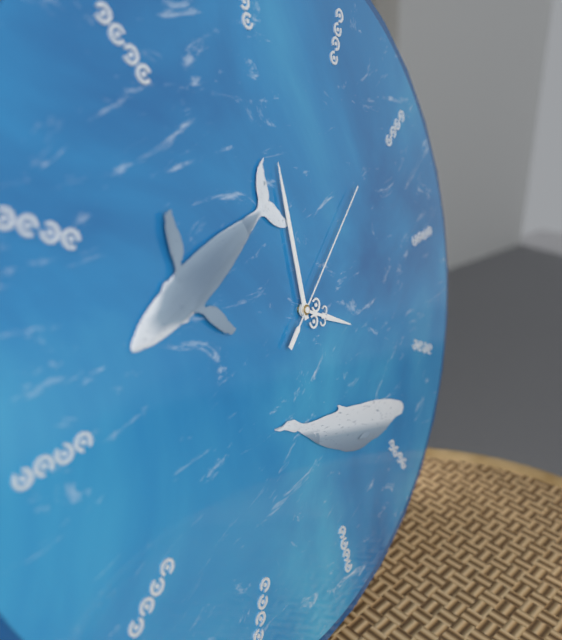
4:00:09
